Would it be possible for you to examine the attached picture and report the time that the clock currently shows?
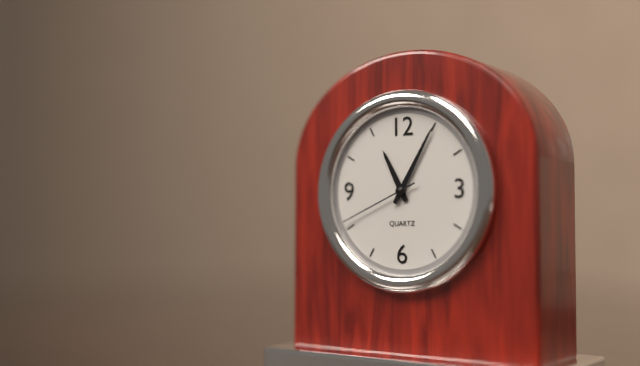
11:05:41
